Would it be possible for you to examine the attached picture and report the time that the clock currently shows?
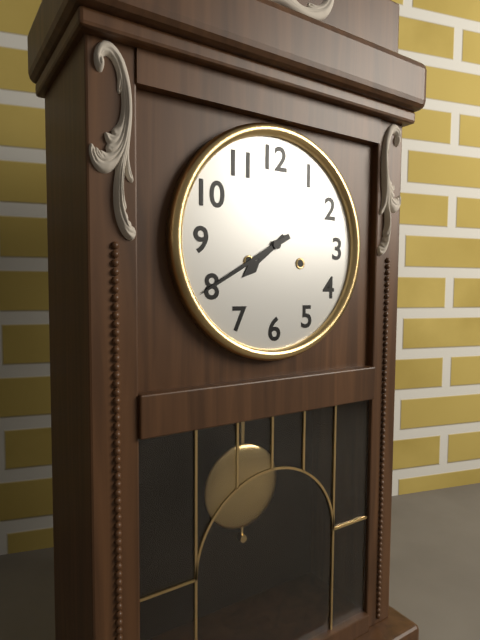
7:40
